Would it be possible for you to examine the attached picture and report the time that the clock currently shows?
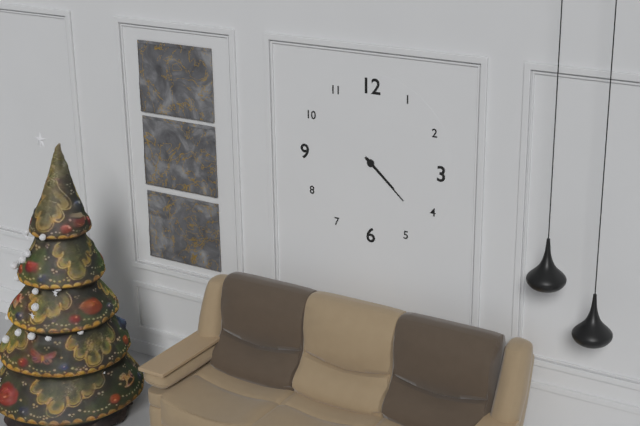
4:22
